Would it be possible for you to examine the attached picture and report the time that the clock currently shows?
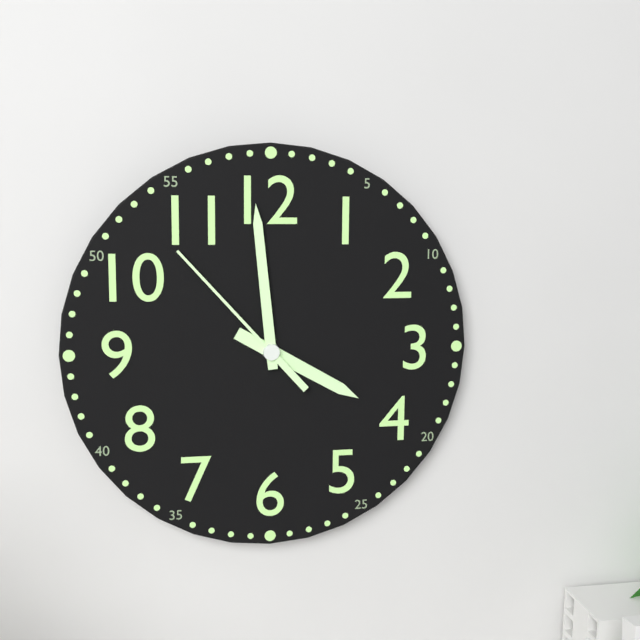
3:59:53
